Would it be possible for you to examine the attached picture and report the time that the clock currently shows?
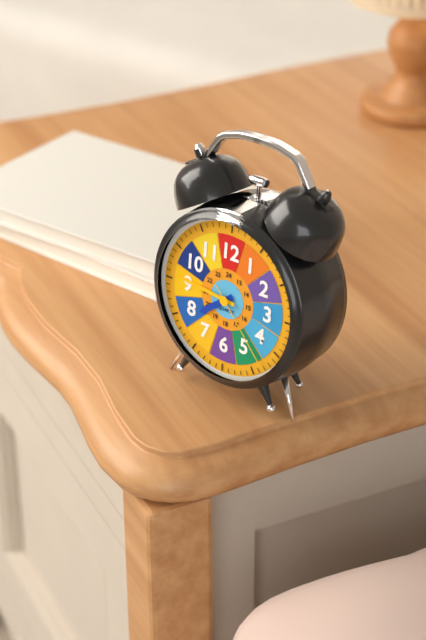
7:46:23
